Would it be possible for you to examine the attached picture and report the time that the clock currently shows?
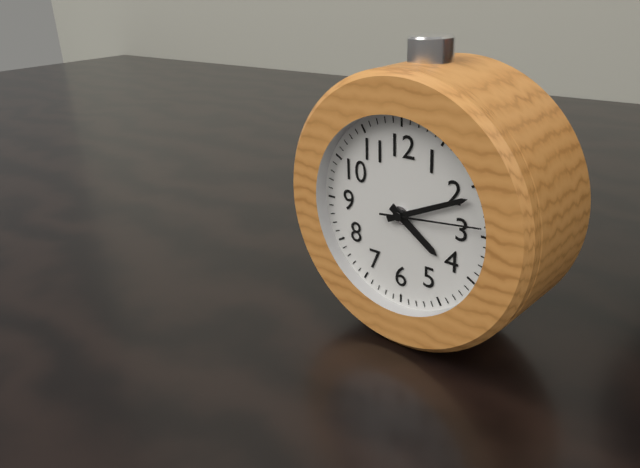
4:11:14
